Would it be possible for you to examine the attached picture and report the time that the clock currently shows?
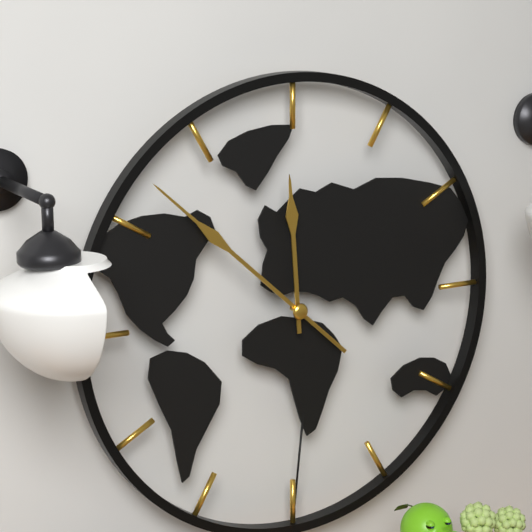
11:52
